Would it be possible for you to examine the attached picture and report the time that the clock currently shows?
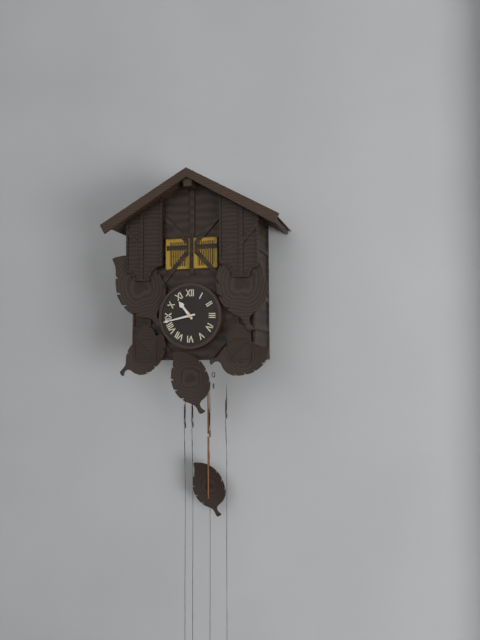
10:43
